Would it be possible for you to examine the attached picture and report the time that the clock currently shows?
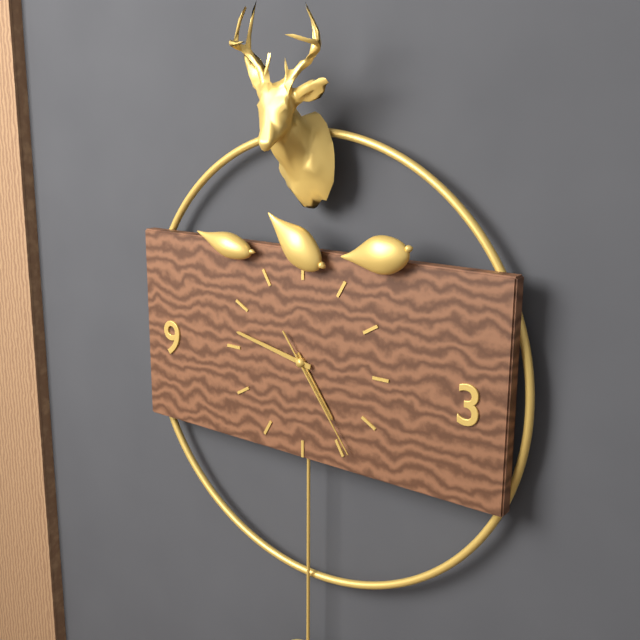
4:47:24
